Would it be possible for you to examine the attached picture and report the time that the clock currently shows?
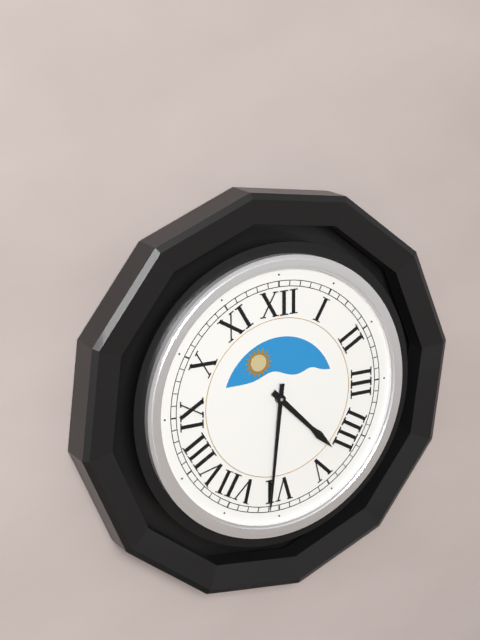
4:31
